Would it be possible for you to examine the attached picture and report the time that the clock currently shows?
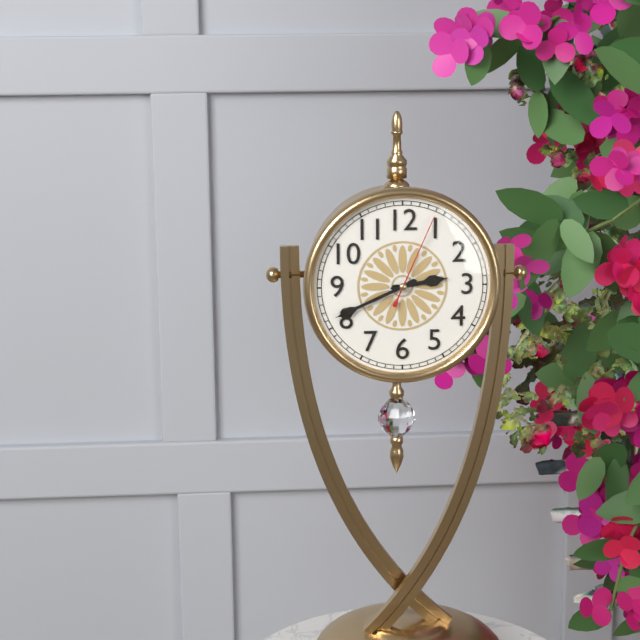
2:41:04
